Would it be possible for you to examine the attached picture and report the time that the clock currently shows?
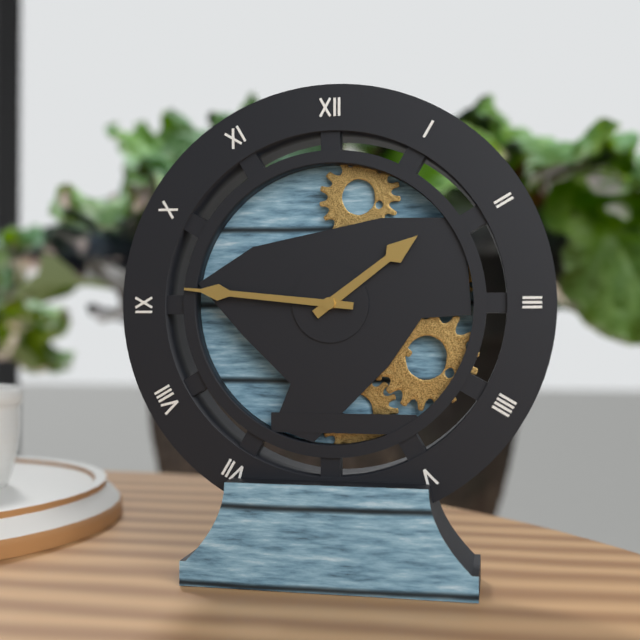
1:46
